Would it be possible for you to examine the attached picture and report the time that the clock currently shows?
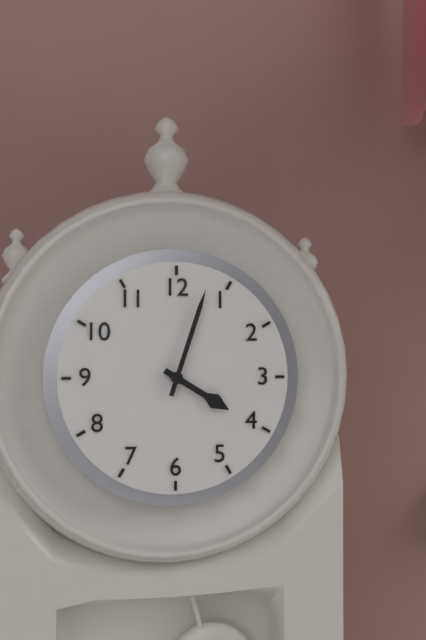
4:03
